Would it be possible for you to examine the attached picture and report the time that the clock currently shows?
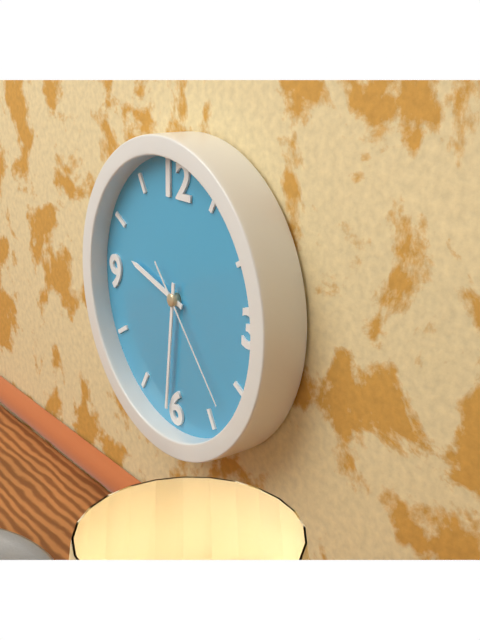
9:31:23
